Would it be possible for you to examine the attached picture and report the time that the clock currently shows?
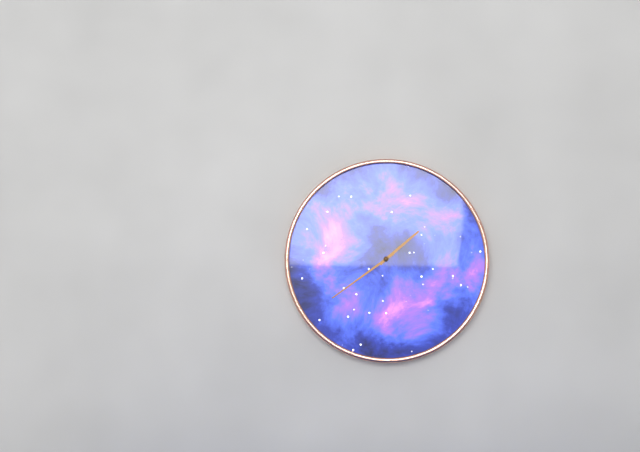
1:39
